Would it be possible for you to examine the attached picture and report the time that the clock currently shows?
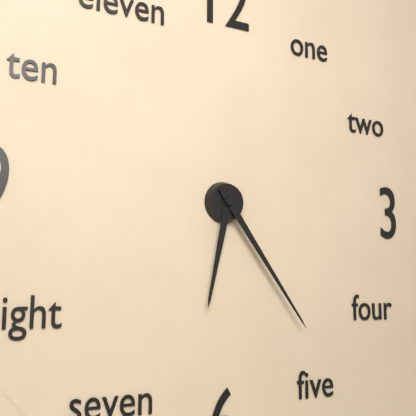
6:24
